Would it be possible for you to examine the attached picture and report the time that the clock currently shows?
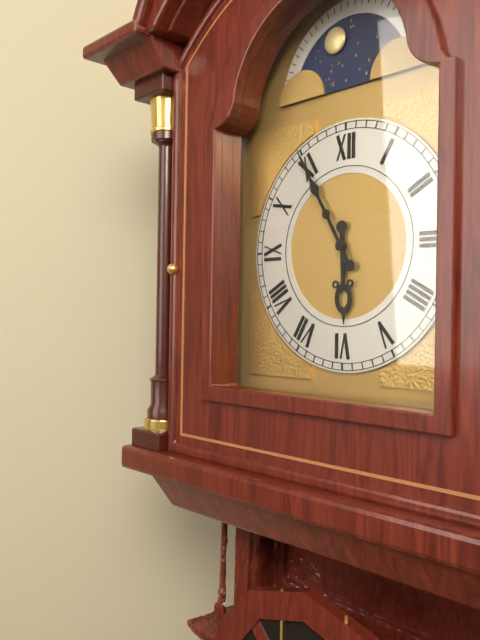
5:55
